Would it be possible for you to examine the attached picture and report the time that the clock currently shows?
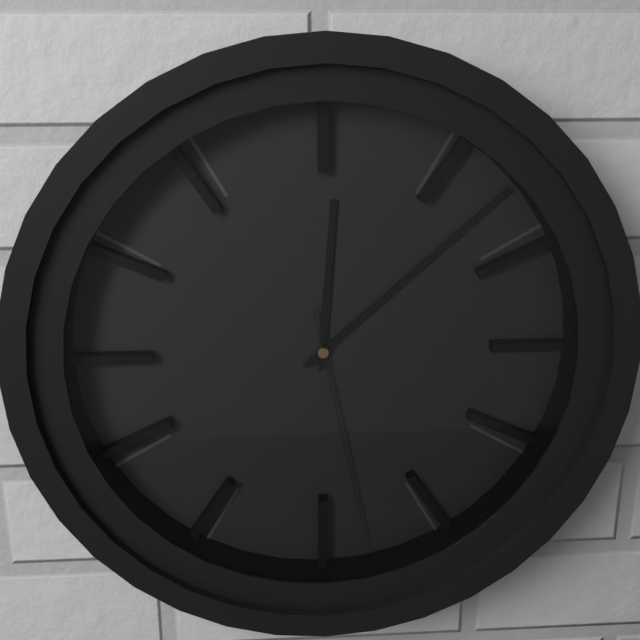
12:08:28
